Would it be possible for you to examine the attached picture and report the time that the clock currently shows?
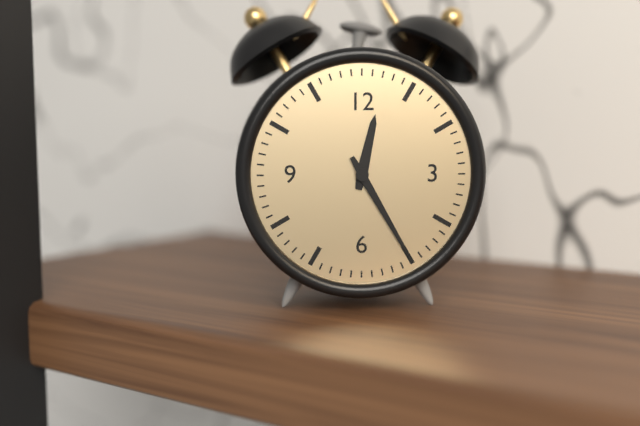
12:25
